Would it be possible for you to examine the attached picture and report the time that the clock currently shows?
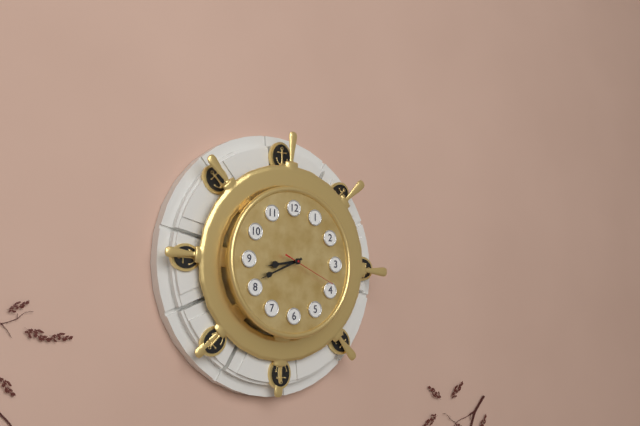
8:41:19
